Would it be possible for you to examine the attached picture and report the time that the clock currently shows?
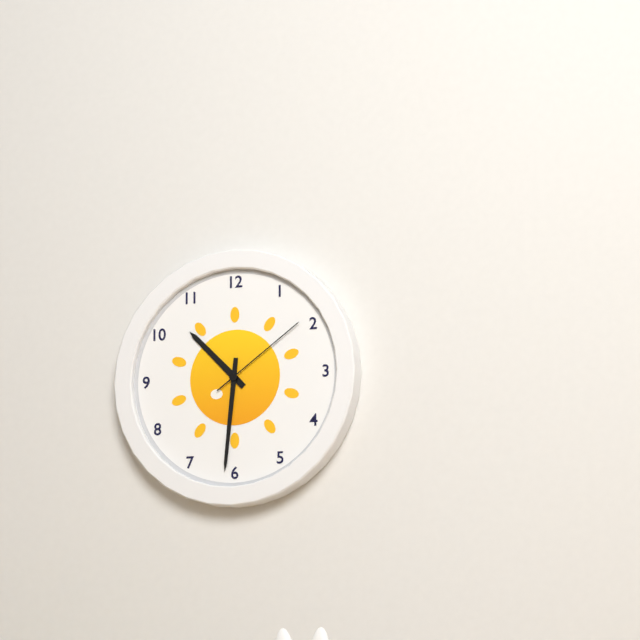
10:31:09
